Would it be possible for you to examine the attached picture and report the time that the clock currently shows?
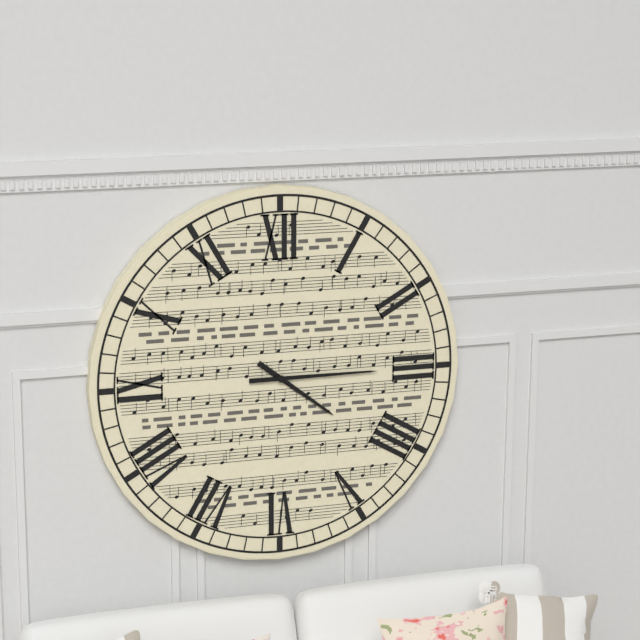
4:15
